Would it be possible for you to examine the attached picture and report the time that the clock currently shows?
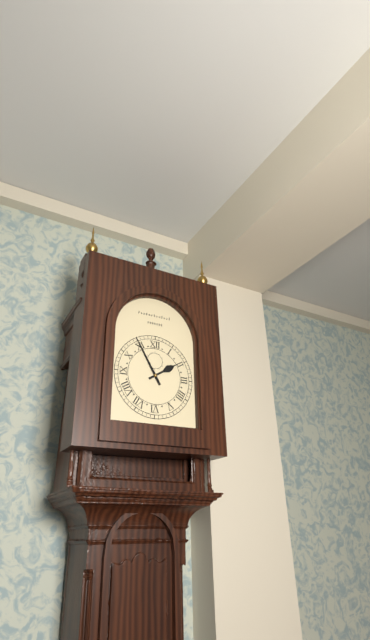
1:55
